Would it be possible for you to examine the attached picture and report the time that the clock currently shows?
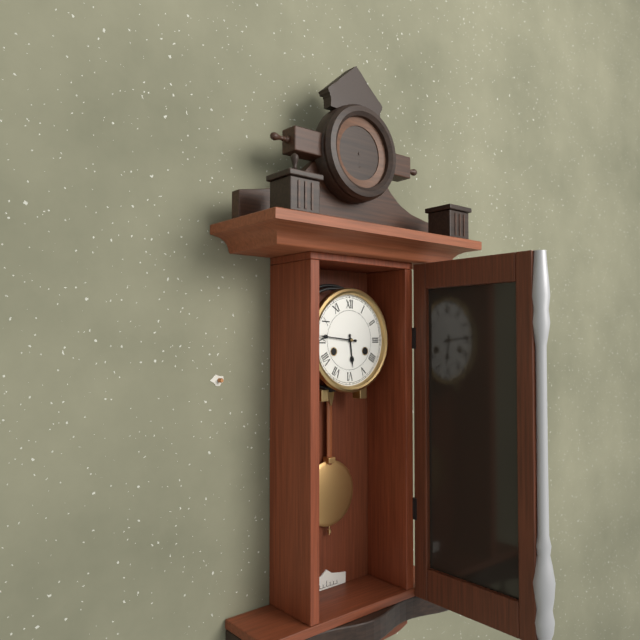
5:46
